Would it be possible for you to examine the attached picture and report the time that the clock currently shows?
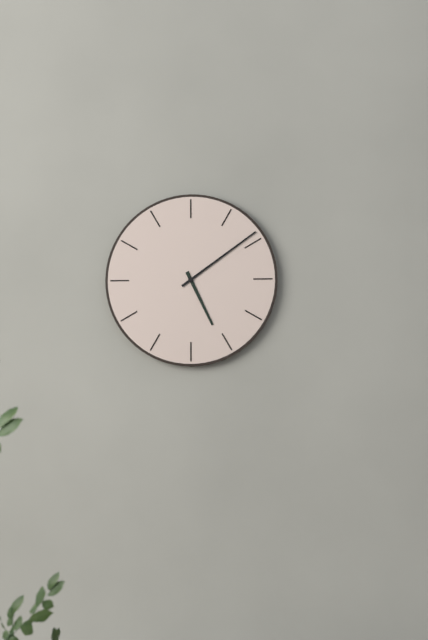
5:09
